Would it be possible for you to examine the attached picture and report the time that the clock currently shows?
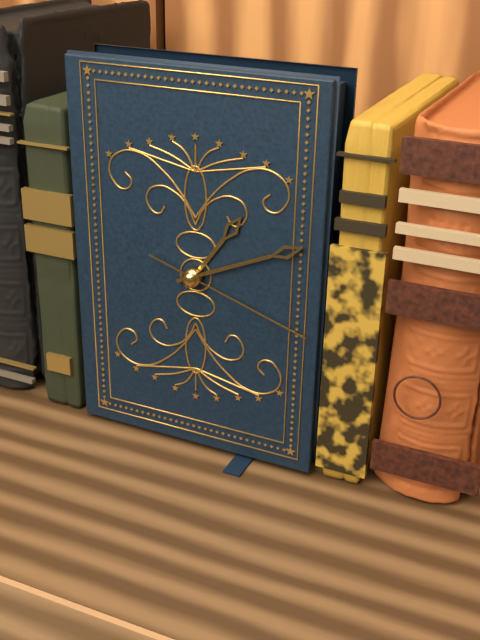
1:11:18
